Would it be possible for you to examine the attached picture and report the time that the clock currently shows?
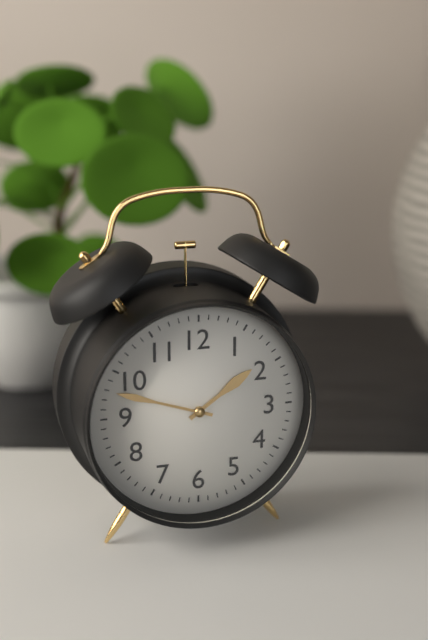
1:48
